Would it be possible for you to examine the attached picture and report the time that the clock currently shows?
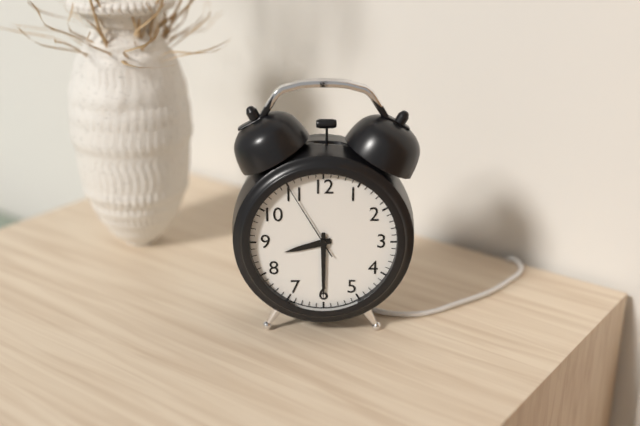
8:30:55
